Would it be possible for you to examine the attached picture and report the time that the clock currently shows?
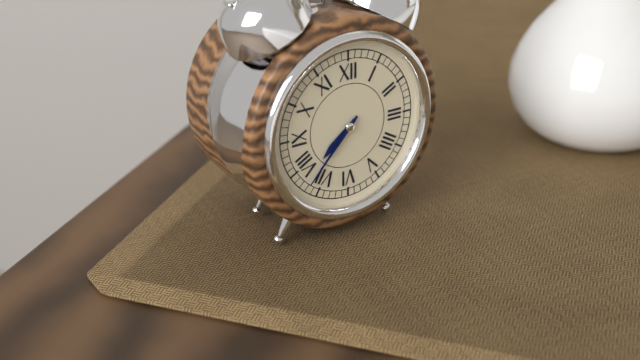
7:37
